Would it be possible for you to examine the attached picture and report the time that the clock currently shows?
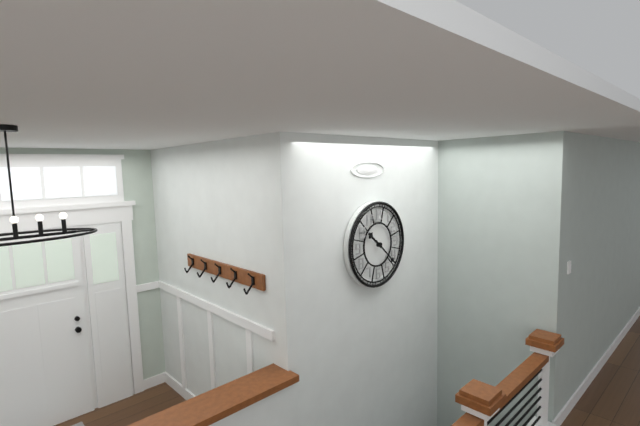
10:22
